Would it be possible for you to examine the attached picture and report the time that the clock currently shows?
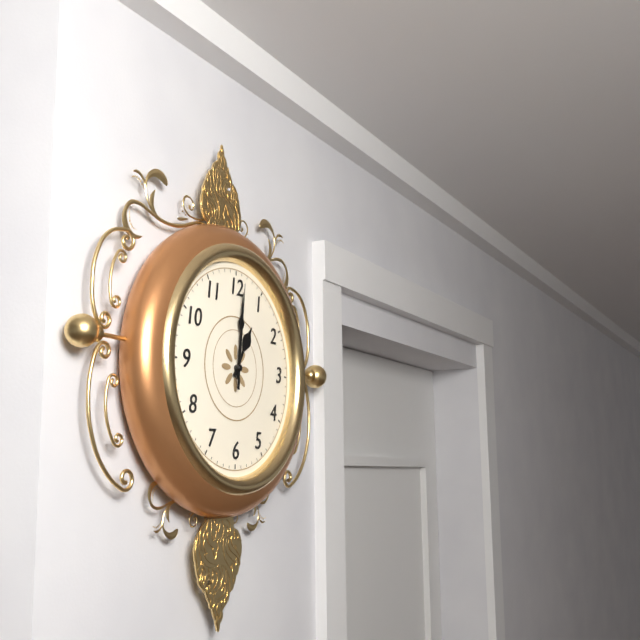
1:01:01
